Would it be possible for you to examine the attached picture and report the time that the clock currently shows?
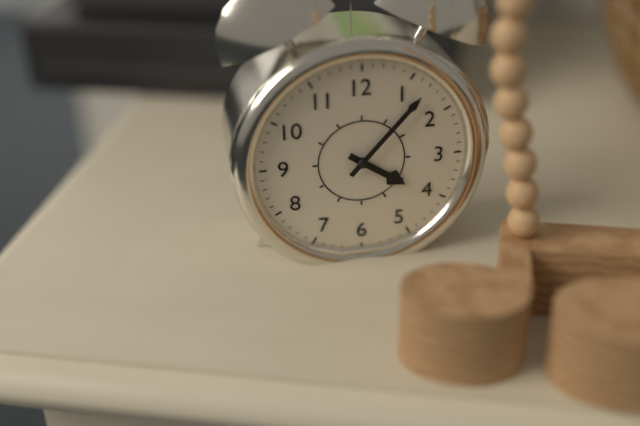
4:07
